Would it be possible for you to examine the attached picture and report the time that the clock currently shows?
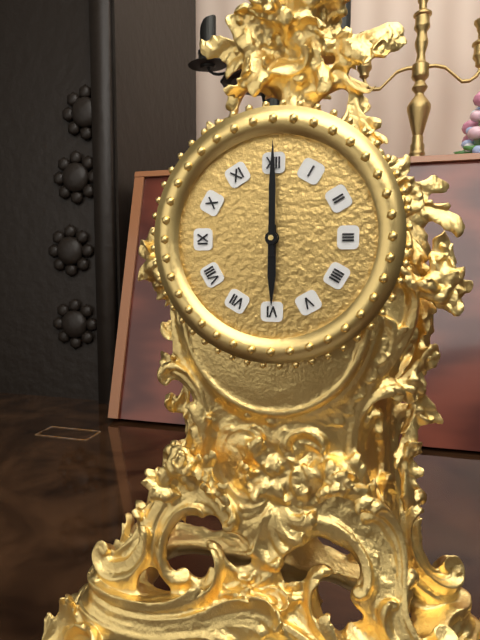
6:00
